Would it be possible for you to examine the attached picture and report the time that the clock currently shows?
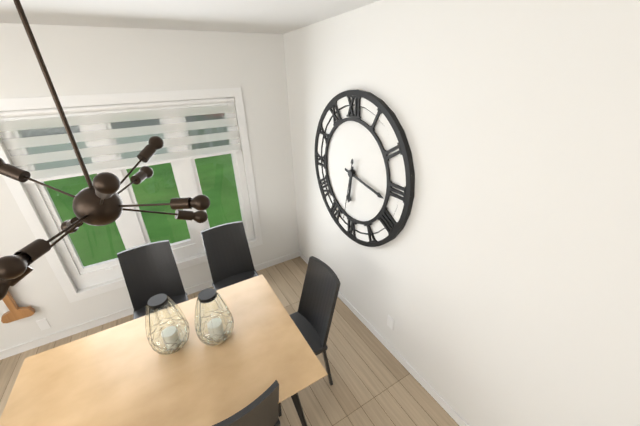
6:17:32
